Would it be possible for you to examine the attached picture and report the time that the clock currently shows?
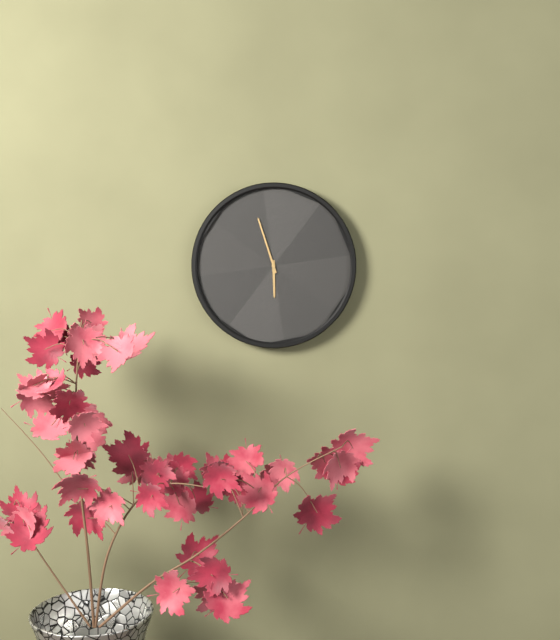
5:57
